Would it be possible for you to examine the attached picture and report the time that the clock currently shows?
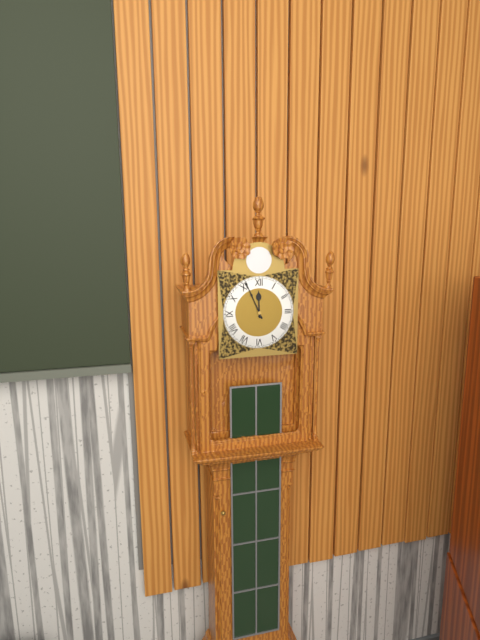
11:56
